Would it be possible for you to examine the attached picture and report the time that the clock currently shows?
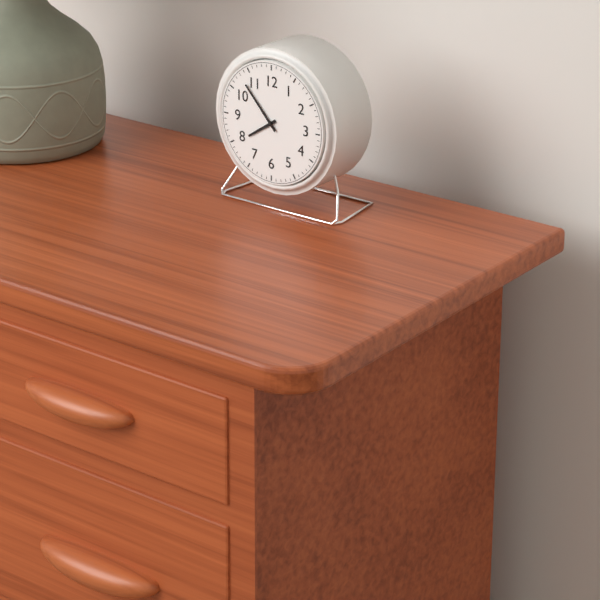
7:53
